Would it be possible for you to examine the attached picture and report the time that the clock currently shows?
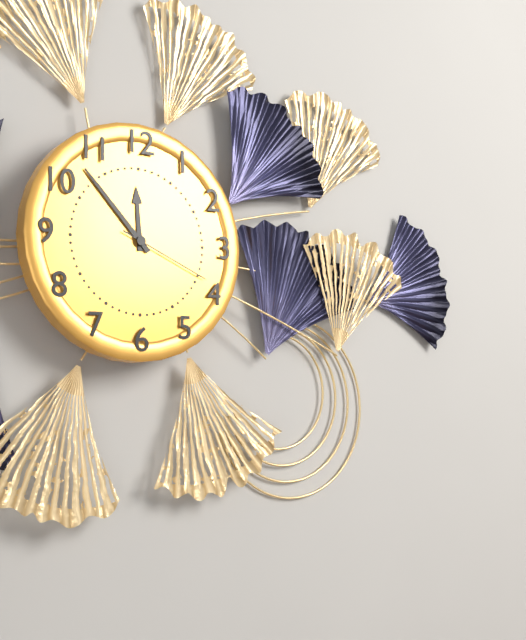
11:53:19
